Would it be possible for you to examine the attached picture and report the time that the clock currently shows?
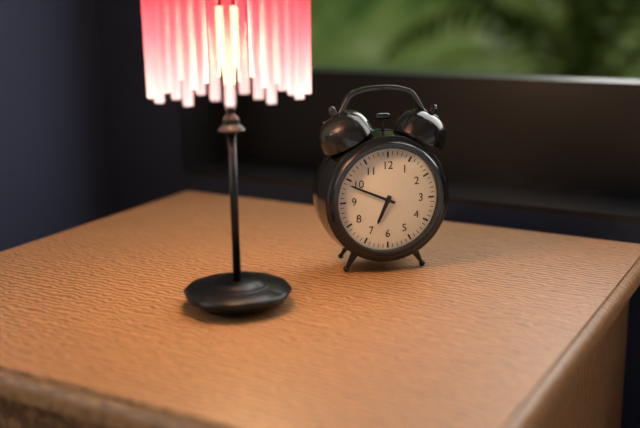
6:49
